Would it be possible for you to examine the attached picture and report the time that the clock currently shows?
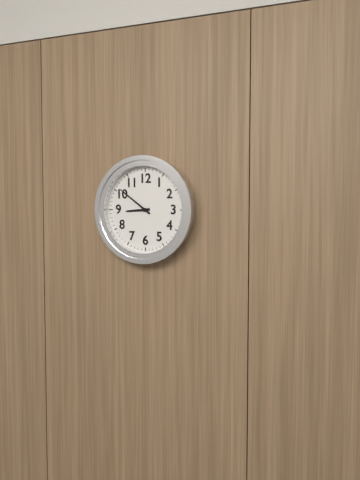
8:51
